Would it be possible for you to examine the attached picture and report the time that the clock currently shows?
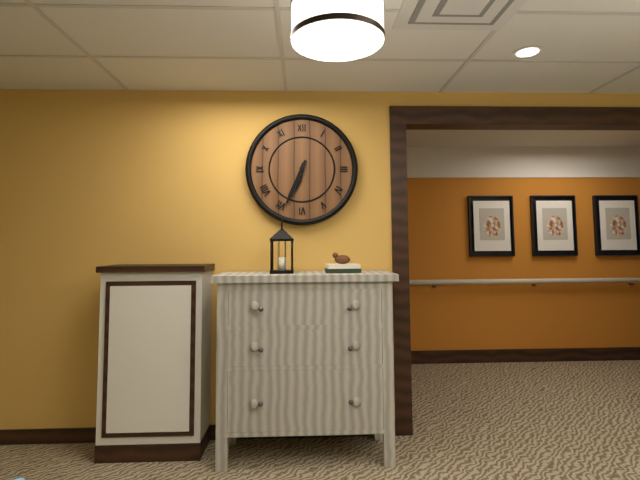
6:34
